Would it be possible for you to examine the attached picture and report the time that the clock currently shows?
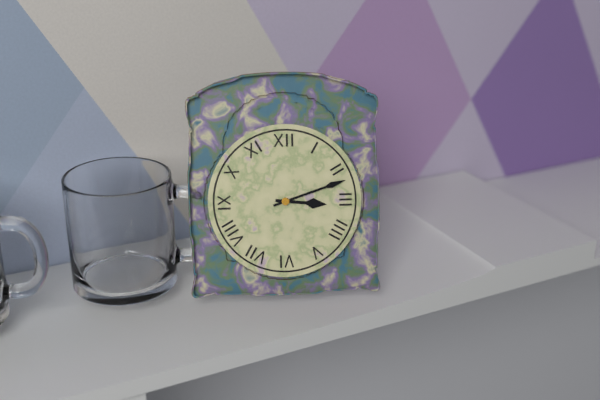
3:12
